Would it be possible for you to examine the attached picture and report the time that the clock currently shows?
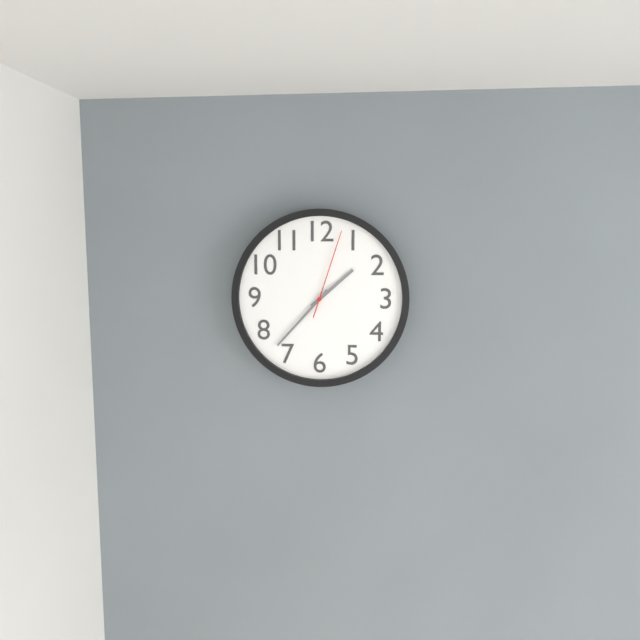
1:37:03
